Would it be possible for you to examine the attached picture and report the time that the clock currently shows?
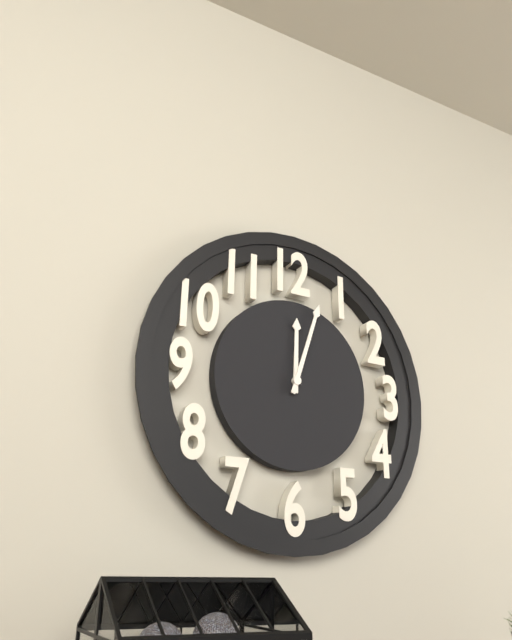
12:03
